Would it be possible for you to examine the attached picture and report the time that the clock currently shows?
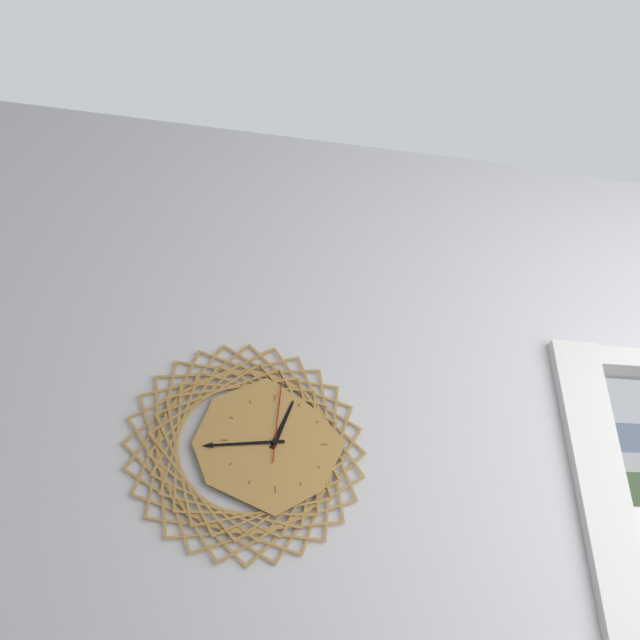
12:44:01
